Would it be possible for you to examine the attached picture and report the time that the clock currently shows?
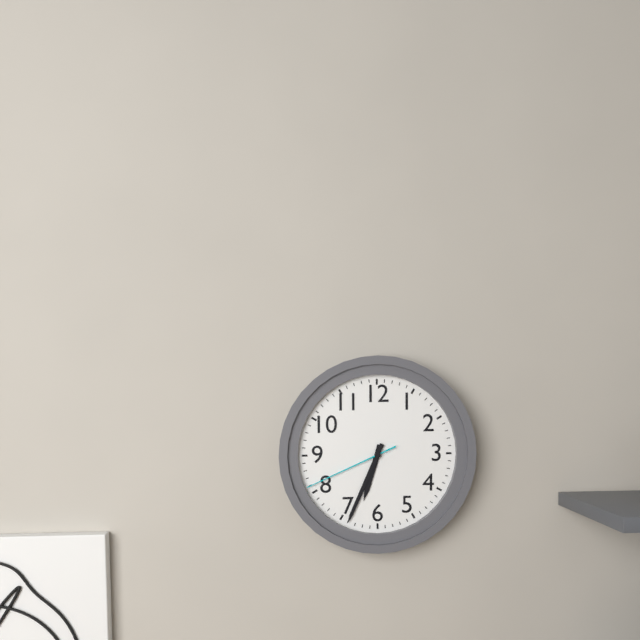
6:34:41
